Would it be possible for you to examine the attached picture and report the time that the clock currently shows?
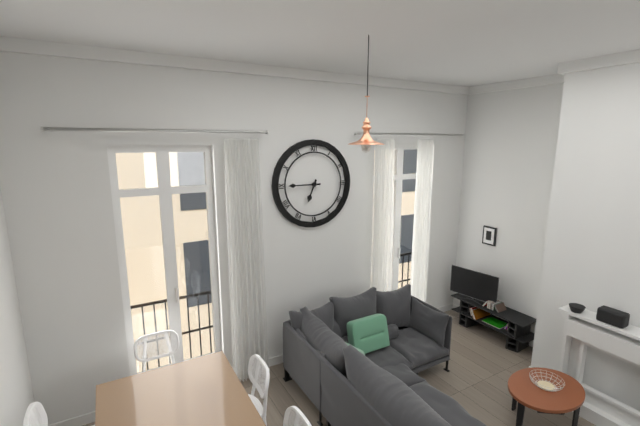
6:45
